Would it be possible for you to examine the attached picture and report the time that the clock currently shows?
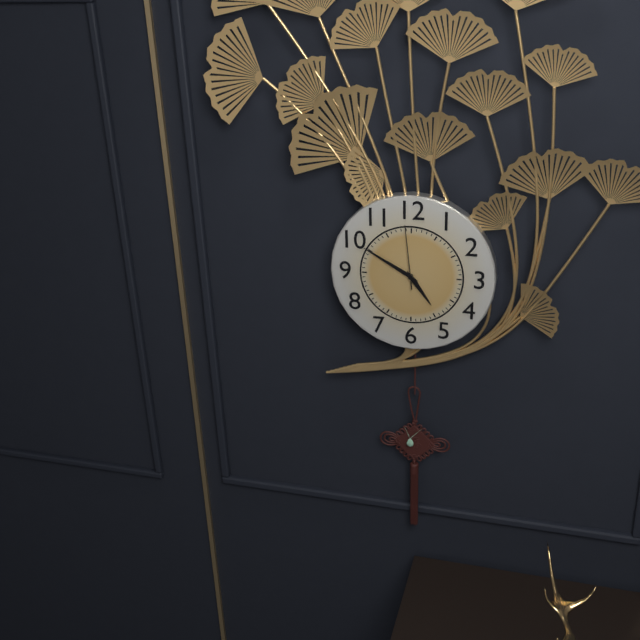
4:50:59
